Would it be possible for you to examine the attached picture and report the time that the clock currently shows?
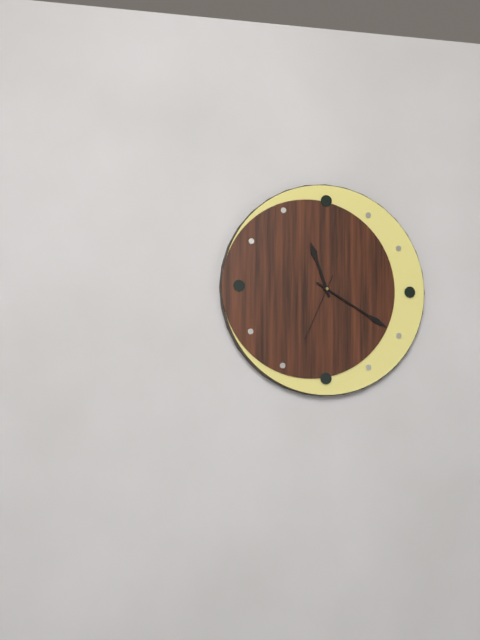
11:20:34
